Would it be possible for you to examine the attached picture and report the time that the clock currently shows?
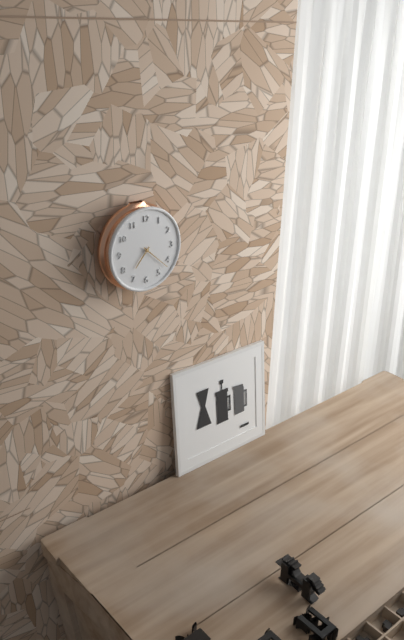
7:22
